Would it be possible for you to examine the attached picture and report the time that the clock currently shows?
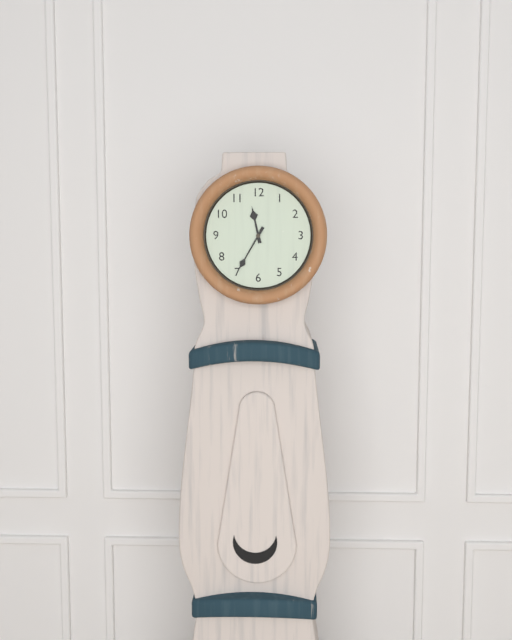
11:35
